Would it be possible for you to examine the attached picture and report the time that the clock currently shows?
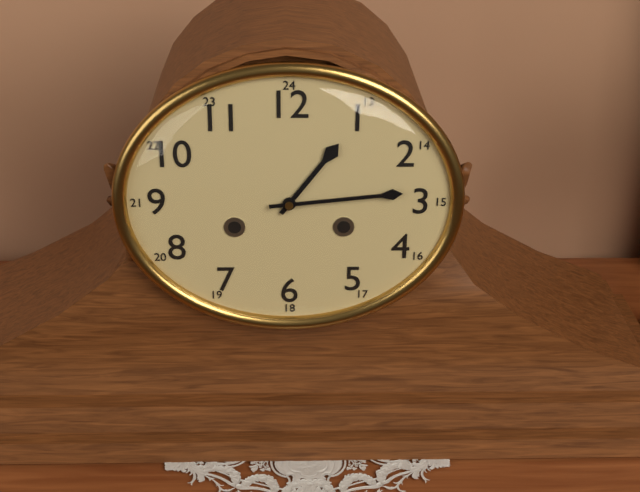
1:14
